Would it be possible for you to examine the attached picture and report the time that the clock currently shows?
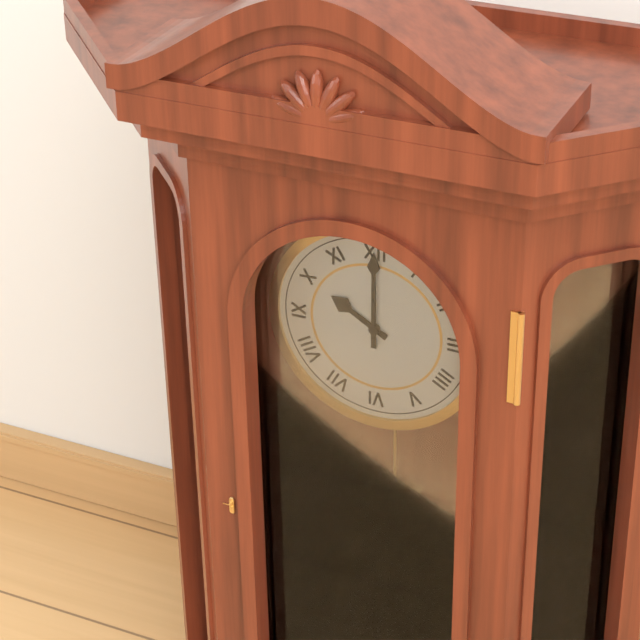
10:00
